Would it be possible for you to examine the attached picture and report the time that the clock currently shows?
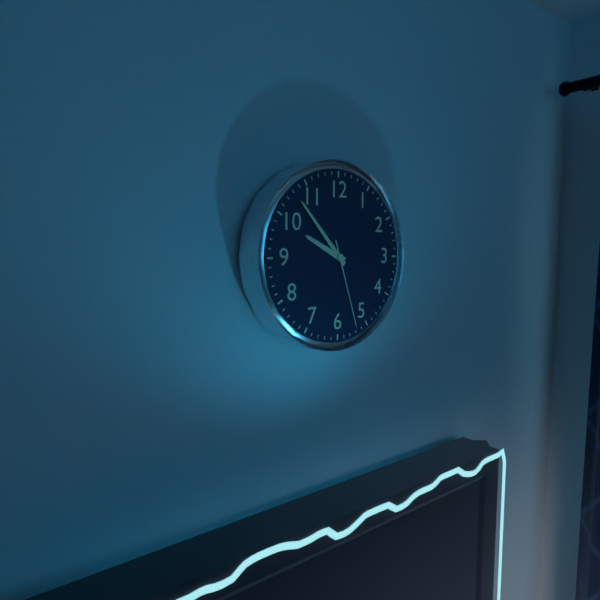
9:53:27
